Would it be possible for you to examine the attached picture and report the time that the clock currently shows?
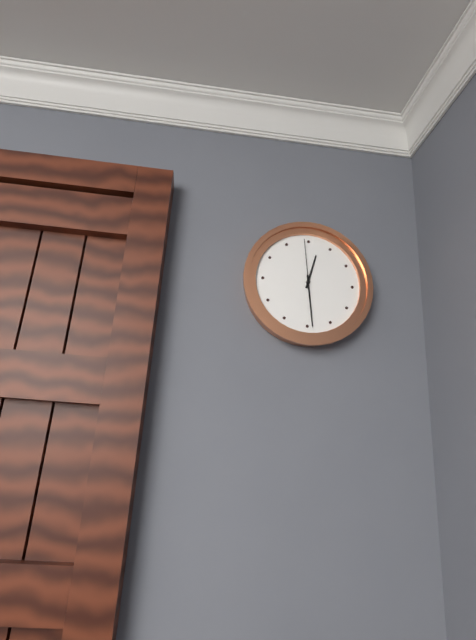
12:29:59
